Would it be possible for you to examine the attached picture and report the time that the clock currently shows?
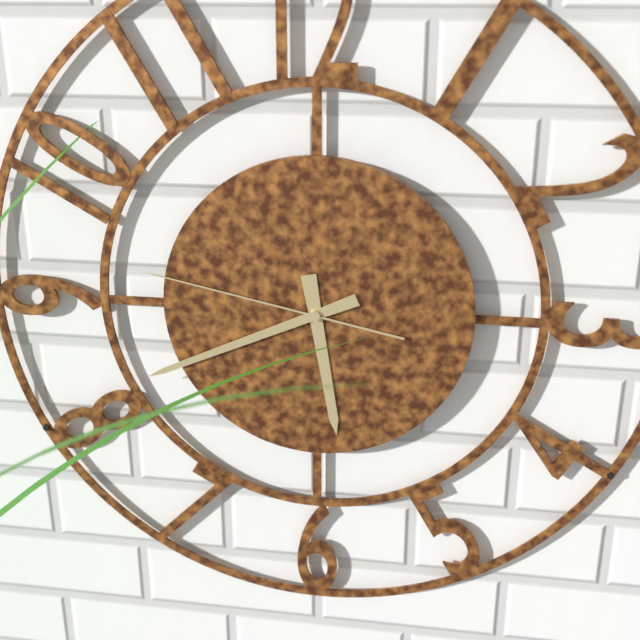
5:41:47
